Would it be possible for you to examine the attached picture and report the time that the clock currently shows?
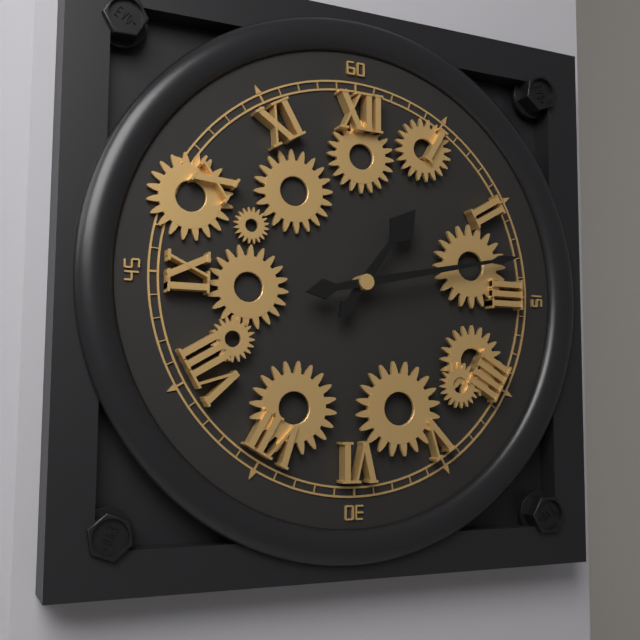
1:13
